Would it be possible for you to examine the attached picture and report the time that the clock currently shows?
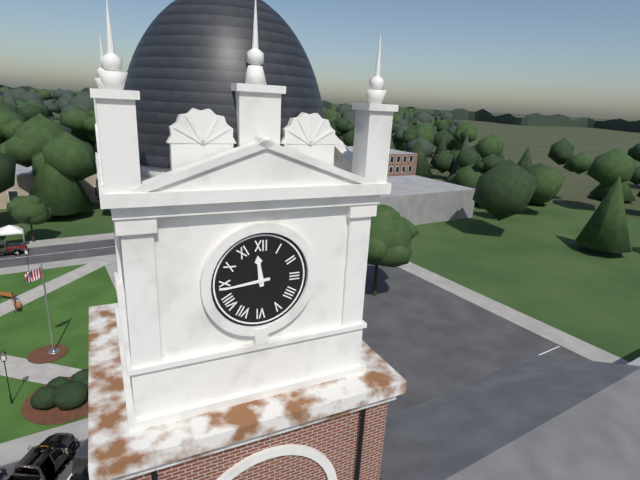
11:44
